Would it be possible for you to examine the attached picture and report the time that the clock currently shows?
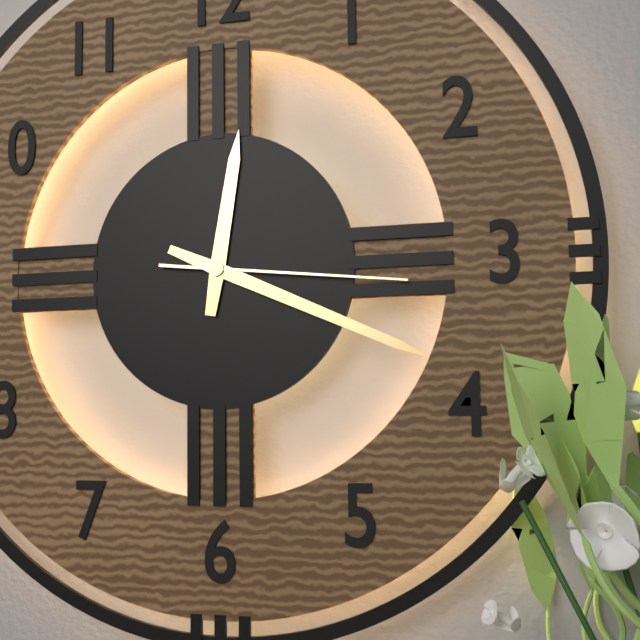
12:19:16
